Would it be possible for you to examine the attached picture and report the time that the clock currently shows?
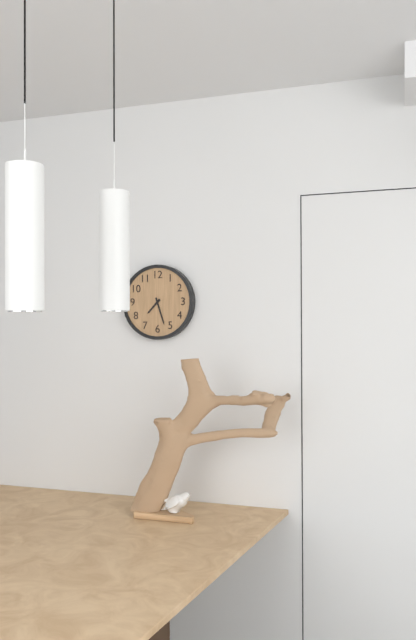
7:27
